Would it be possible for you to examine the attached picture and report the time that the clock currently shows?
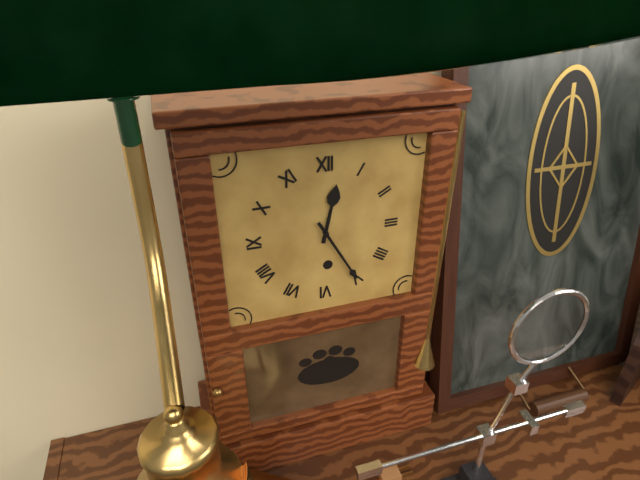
12:25
